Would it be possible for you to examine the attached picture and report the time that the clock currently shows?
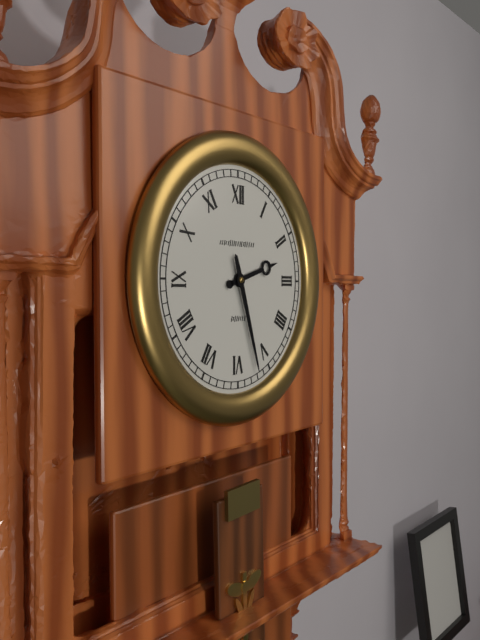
2:27
